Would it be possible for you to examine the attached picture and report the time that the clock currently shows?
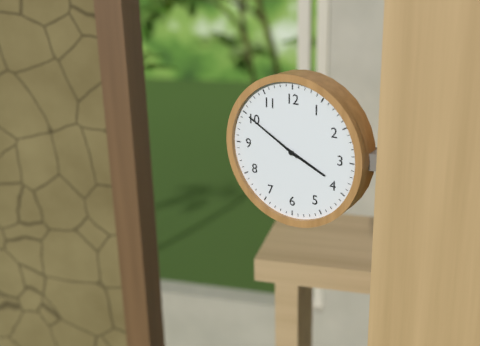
3:50
